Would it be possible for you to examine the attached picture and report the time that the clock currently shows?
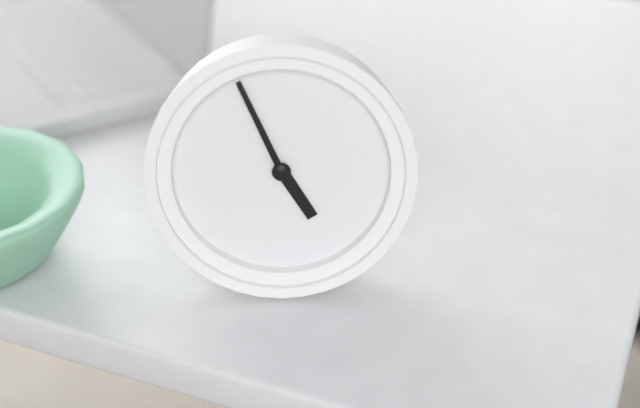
4:56
